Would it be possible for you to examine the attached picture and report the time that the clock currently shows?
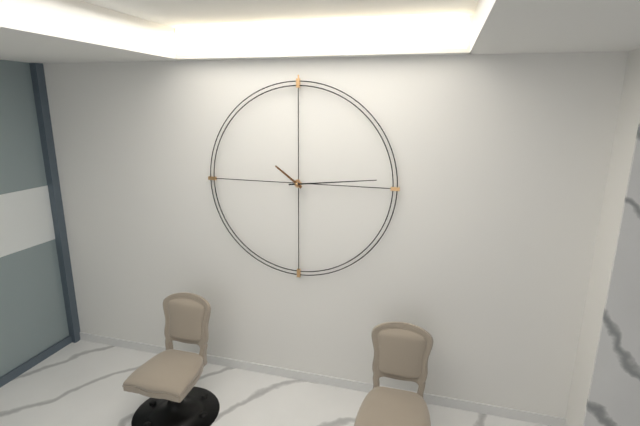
10:14
